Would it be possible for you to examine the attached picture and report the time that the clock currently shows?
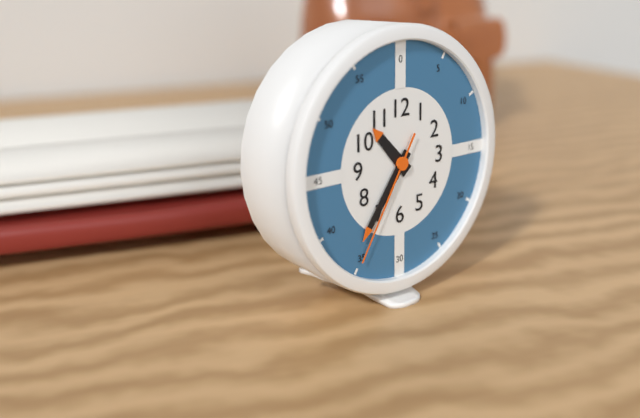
10:36:35
